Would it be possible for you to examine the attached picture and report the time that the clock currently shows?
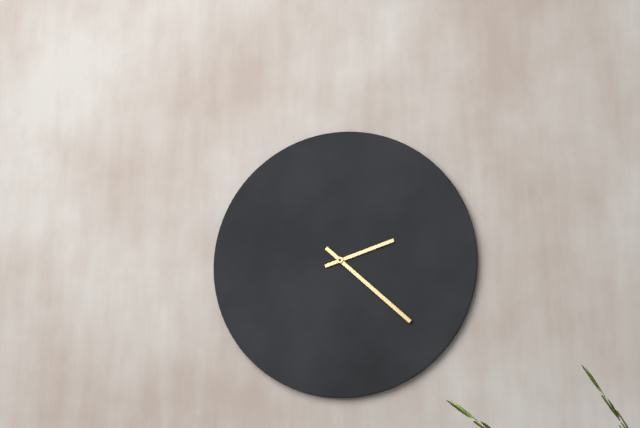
2:22
